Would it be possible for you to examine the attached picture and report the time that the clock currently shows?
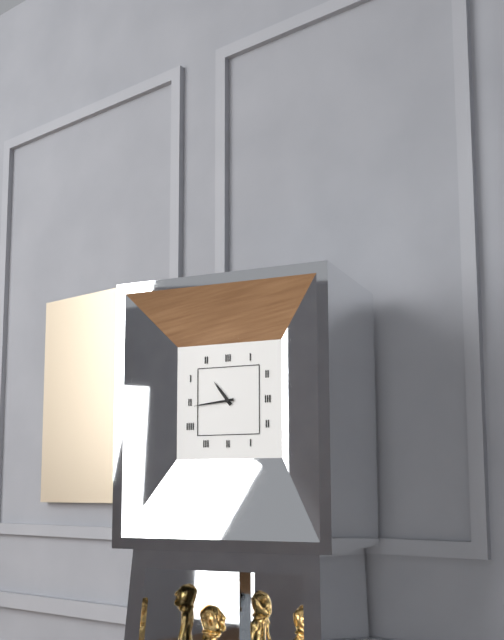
10:44
